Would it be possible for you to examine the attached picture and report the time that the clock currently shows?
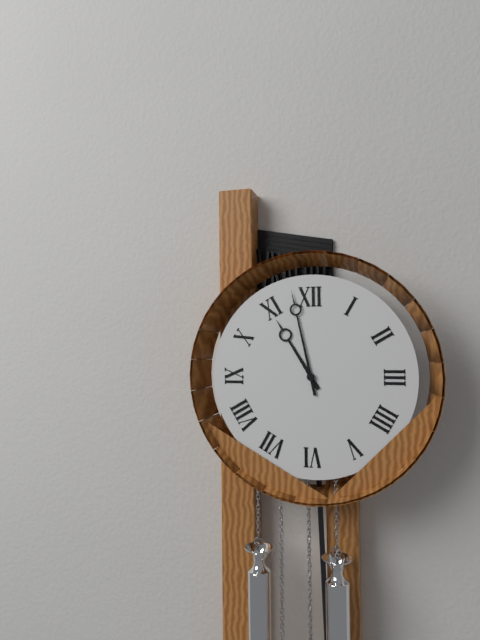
10:58
